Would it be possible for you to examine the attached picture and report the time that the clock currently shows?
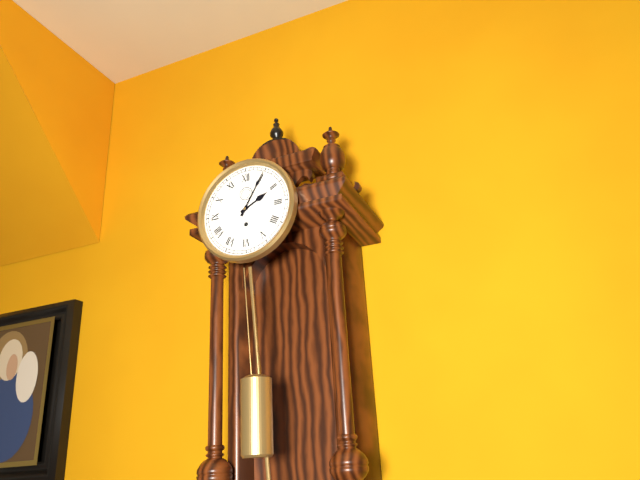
2:05
